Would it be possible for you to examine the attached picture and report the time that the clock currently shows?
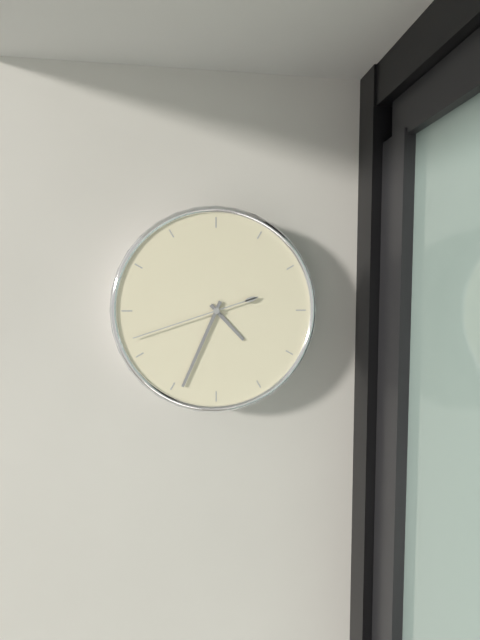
4:34:42
